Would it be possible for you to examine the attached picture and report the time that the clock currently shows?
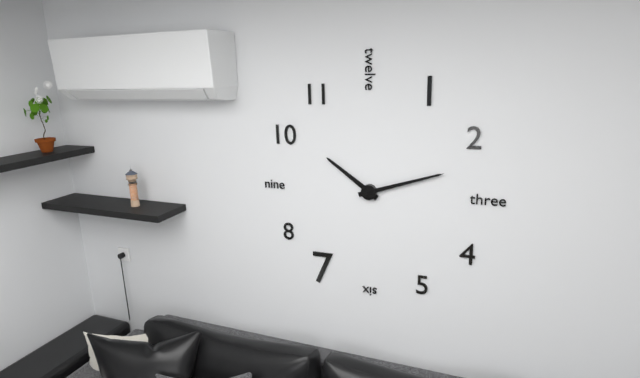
10:12
